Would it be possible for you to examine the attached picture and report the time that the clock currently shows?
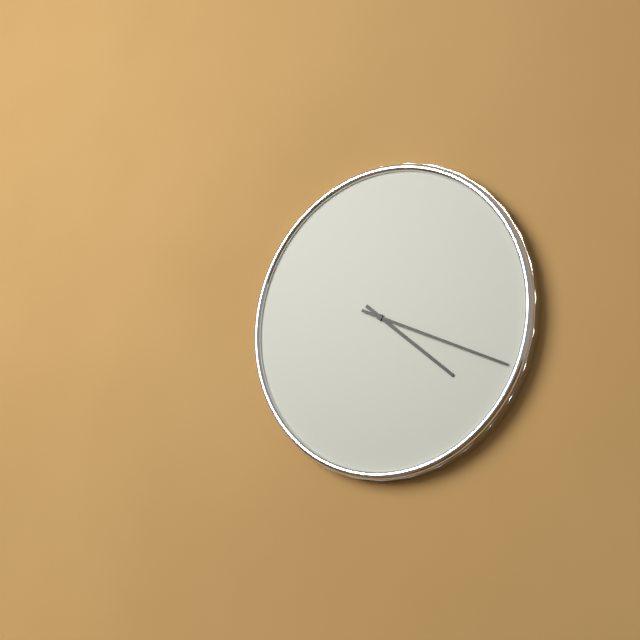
4:19
